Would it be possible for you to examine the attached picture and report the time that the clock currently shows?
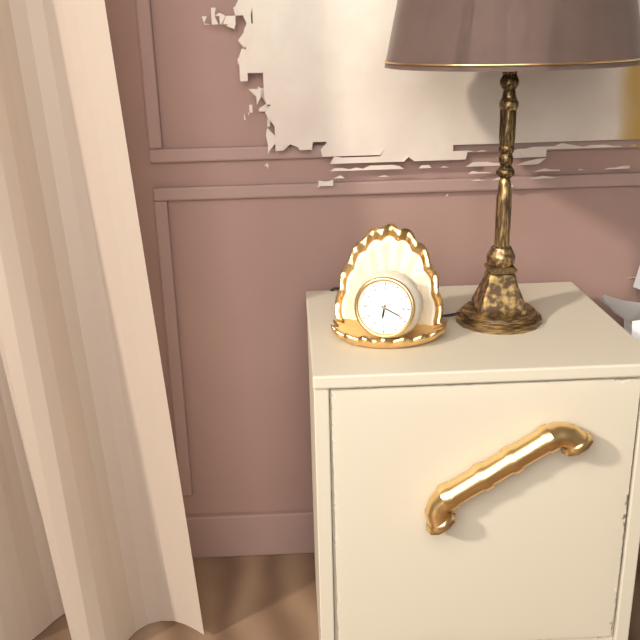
6:19
